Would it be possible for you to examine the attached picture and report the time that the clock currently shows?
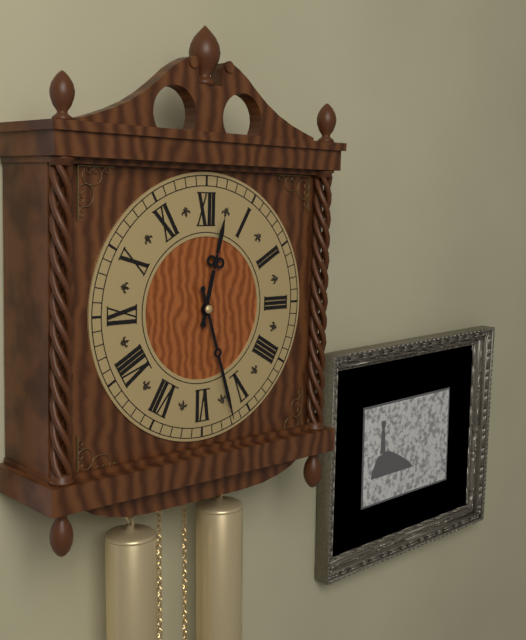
12:27
